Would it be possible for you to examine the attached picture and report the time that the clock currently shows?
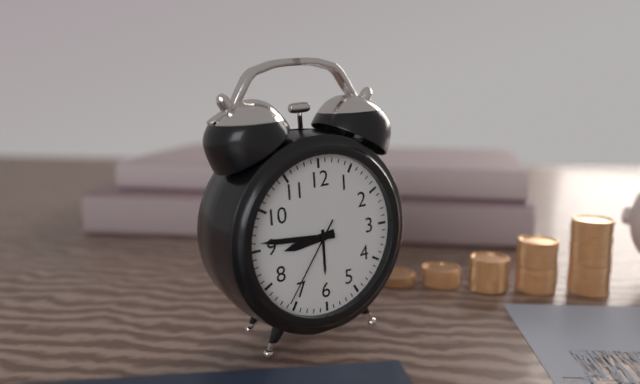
8:46:36
